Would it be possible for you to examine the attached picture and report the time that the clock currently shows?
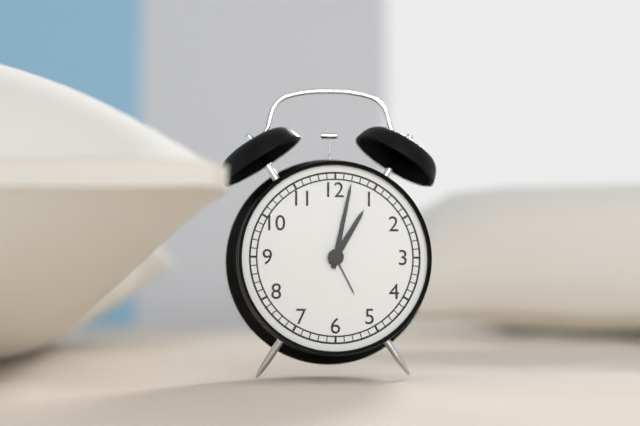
1:02
